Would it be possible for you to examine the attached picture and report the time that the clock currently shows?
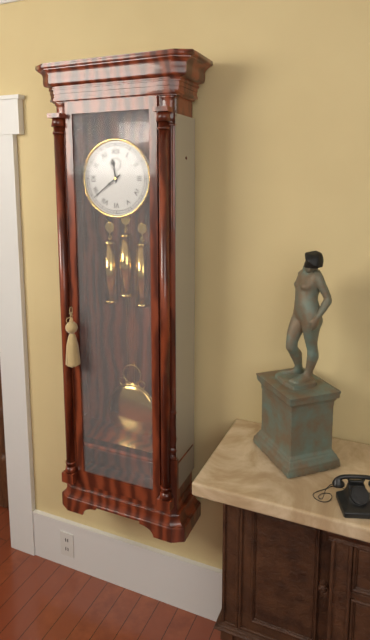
11:39
